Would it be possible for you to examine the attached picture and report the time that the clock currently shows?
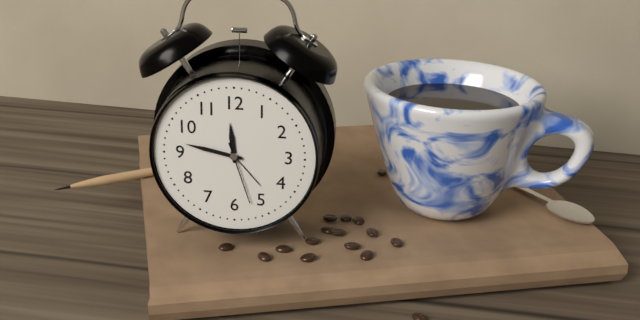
11:47:27
